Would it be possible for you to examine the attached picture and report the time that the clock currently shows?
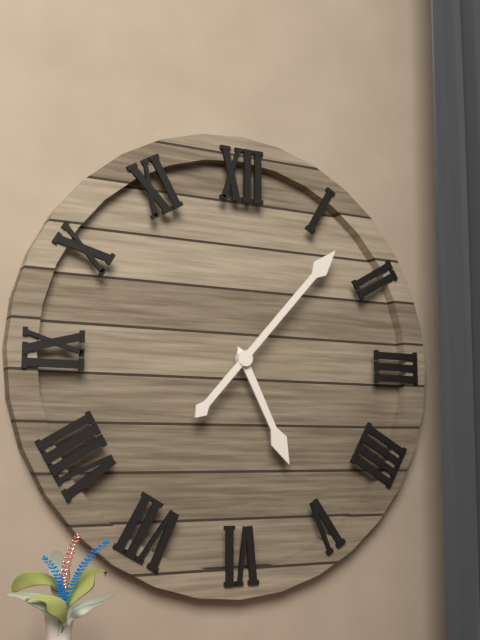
5:07
